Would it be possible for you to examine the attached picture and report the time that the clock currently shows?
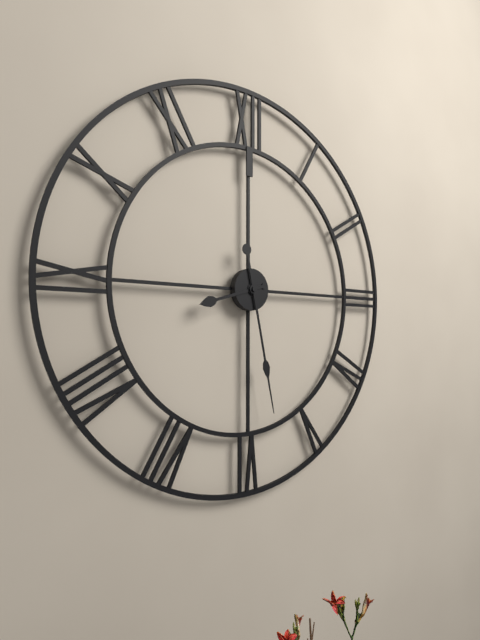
8:28
